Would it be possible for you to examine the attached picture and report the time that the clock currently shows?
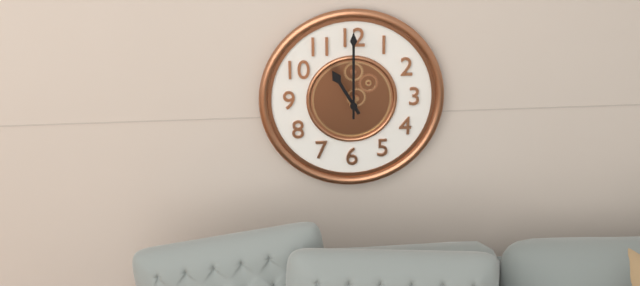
11:00
